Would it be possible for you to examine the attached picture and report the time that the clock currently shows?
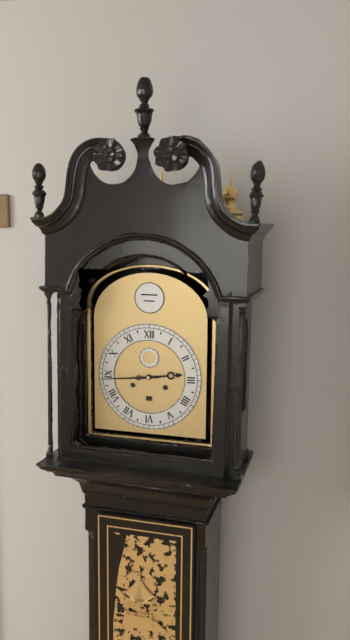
2:44
